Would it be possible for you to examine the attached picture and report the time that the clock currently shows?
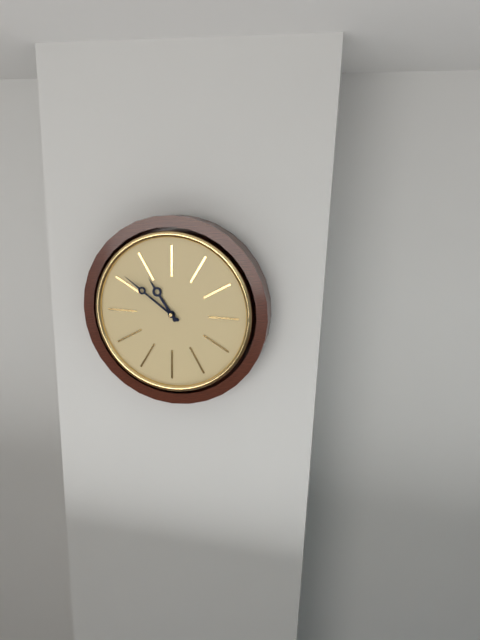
10:51
